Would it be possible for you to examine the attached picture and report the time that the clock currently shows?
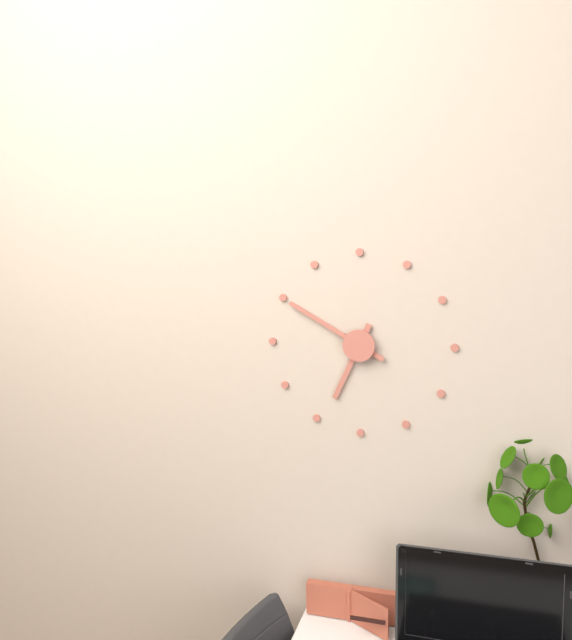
6:50
